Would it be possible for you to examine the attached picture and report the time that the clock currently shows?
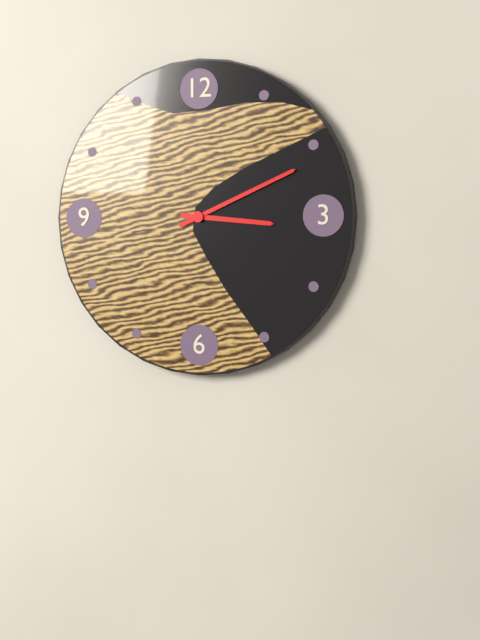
3:11
